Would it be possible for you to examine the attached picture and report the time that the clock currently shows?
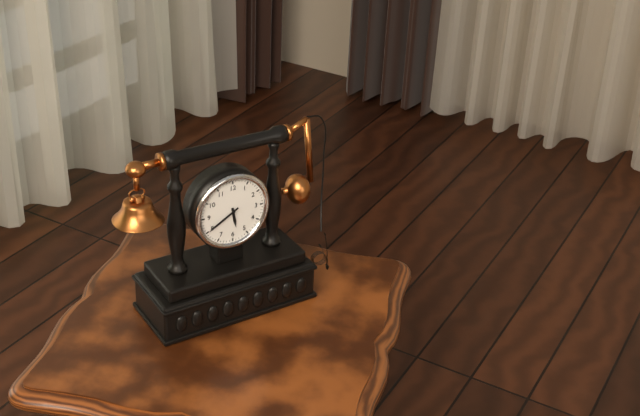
5:40
